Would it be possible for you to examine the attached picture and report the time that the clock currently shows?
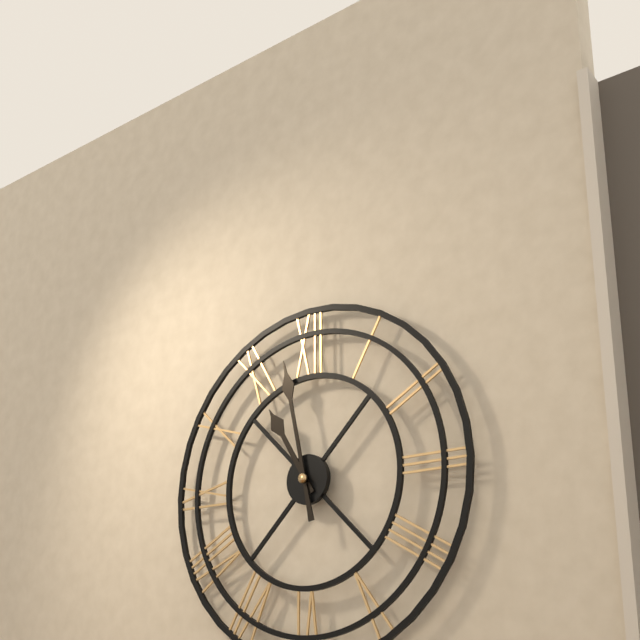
10:58
